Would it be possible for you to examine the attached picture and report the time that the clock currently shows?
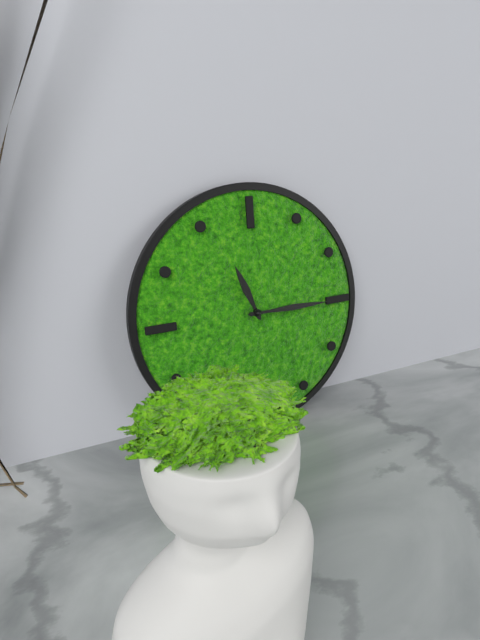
11:15
